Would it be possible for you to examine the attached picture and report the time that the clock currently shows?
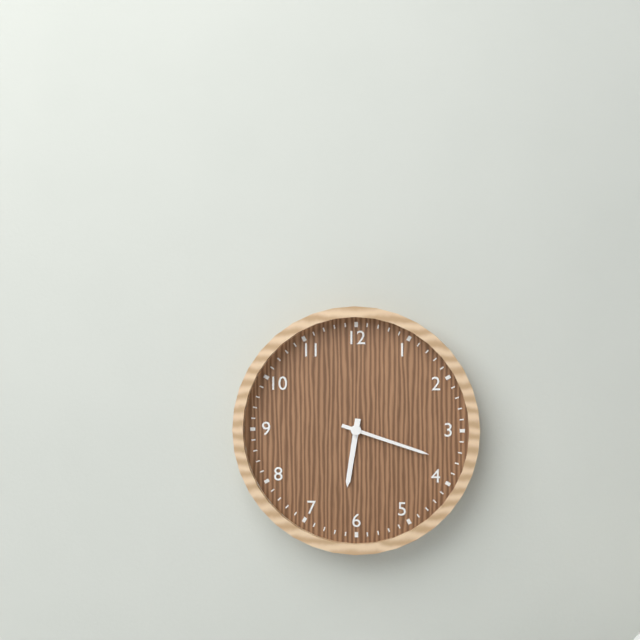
6:18
